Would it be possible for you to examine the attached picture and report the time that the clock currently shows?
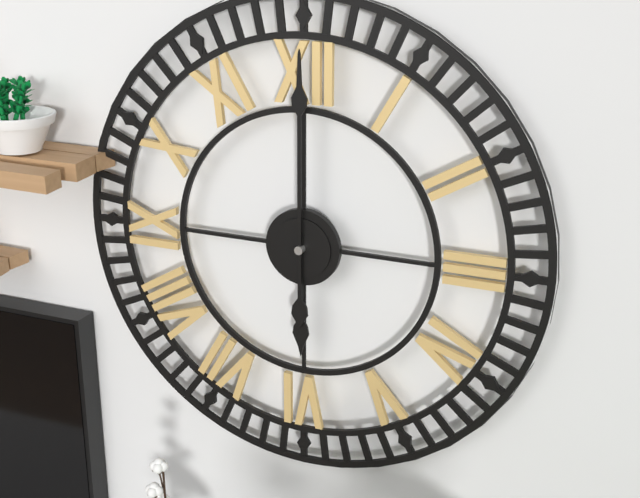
6:00
